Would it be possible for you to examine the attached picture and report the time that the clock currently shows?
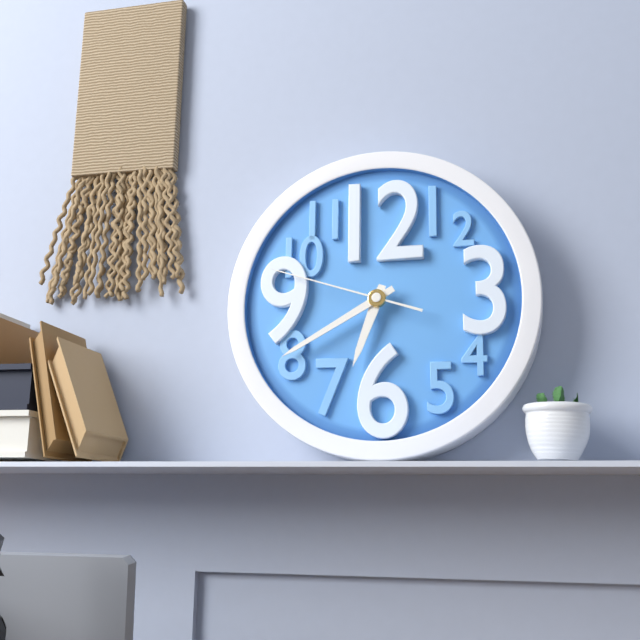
6:40:48
